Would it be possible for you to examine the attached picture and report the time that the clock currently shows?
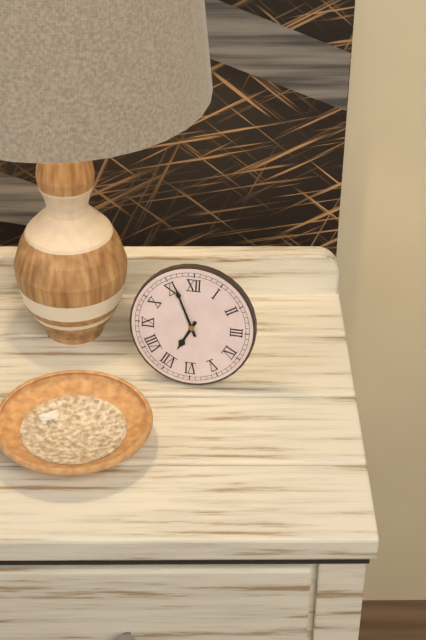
6:56
